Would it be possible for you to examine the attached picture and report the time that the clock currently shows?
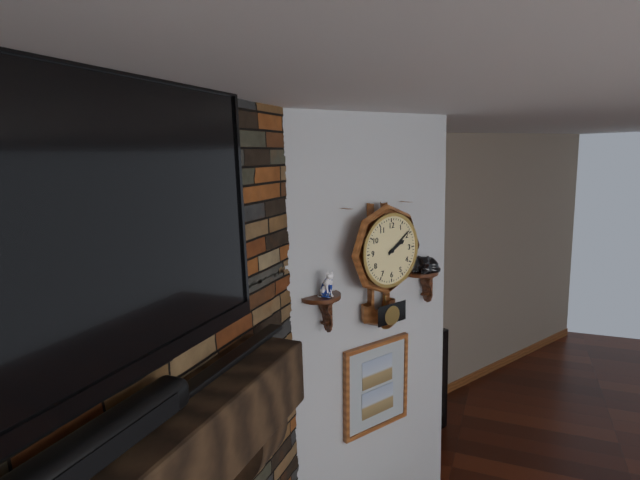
2:09
